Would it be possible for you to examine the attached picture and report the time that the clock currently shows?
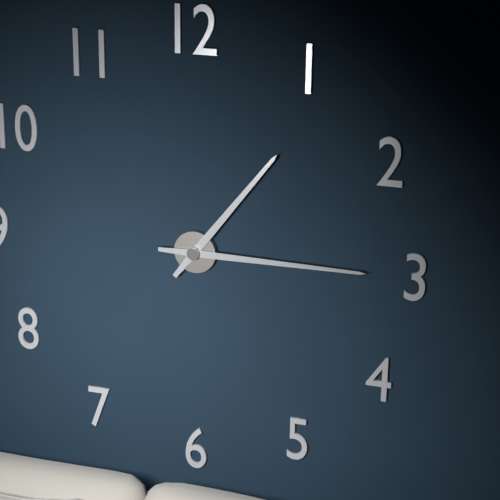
1:15
